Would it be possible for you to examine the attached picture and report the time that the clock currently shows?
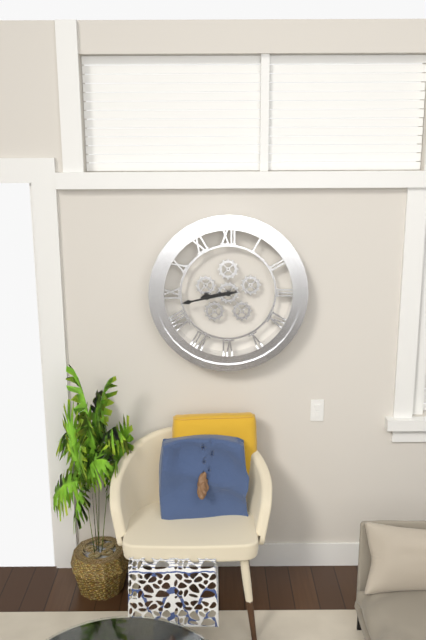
8:43
